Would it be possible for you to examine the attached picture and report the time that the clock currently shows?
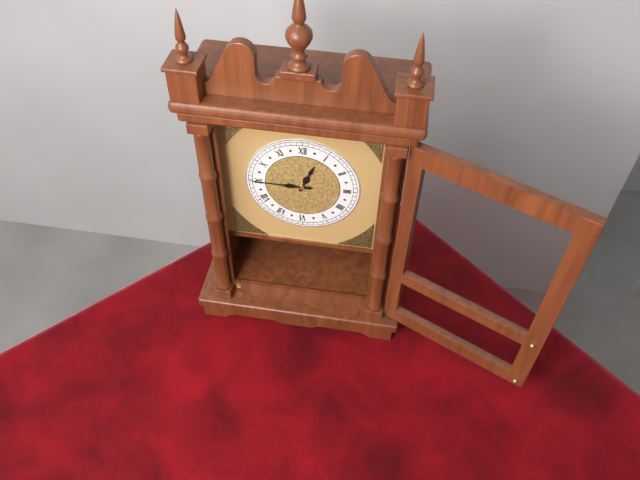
12:45
